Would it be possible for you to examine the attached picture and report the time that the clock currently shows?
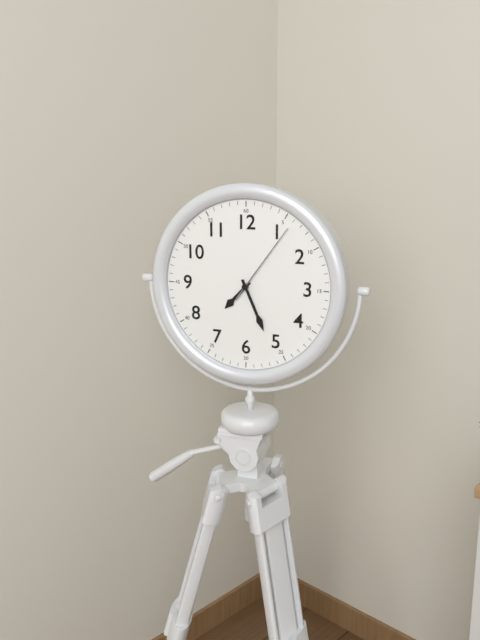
7:26:06
